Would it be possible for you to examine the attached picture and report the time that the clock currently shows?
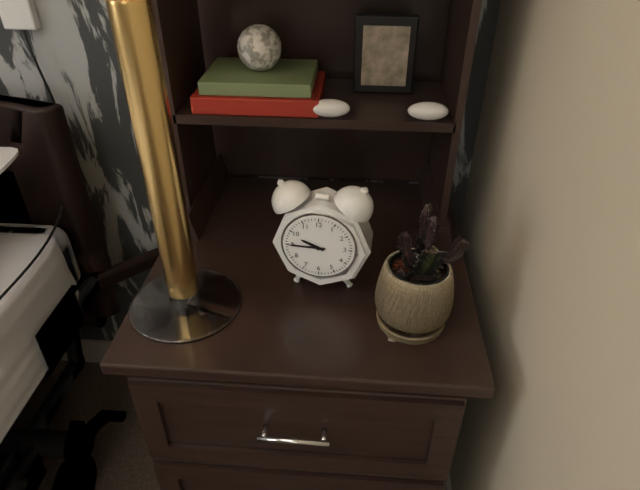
9:45
